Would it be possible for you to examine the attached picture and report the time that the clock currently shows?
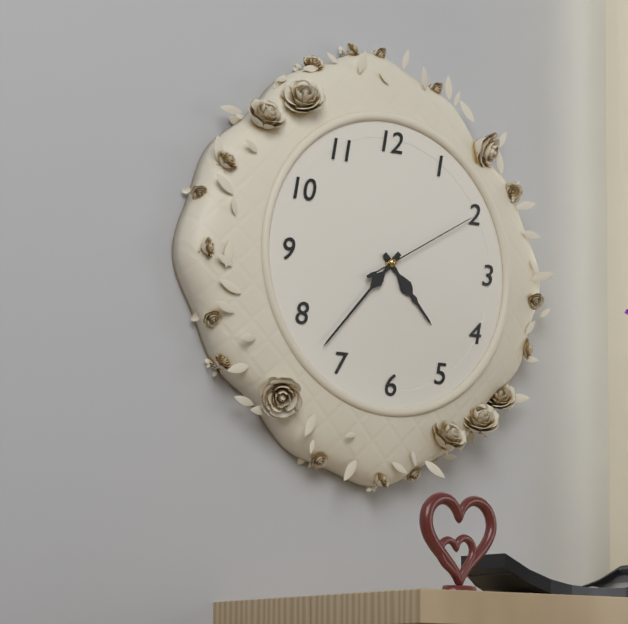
4:37:10
